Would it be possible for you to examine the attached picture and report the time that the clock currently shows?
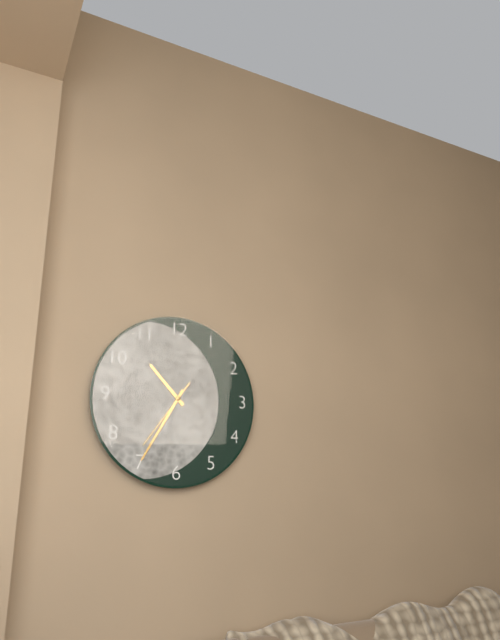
10:35:36
